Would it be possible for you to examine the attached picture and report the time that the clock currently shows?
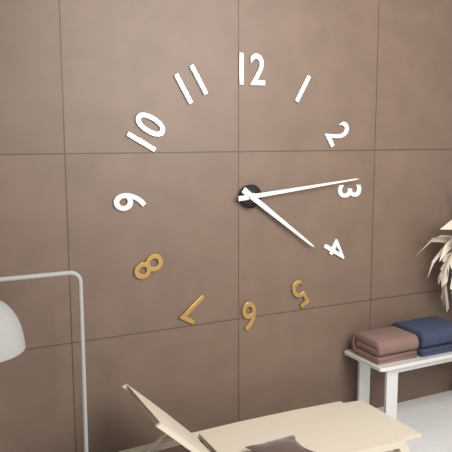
4:14
